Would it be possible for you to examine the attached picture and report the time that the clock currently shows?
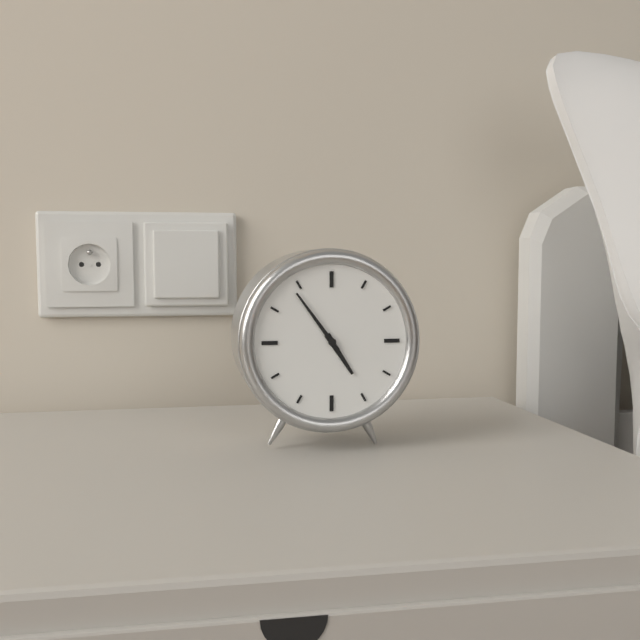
4:54
